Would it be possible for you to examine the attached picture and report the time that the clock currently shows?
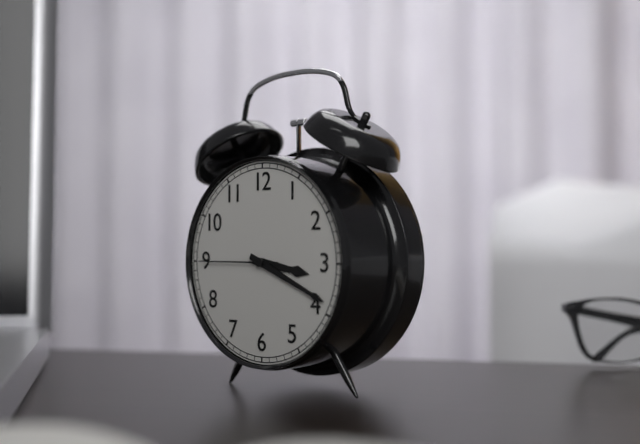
3:19:45
